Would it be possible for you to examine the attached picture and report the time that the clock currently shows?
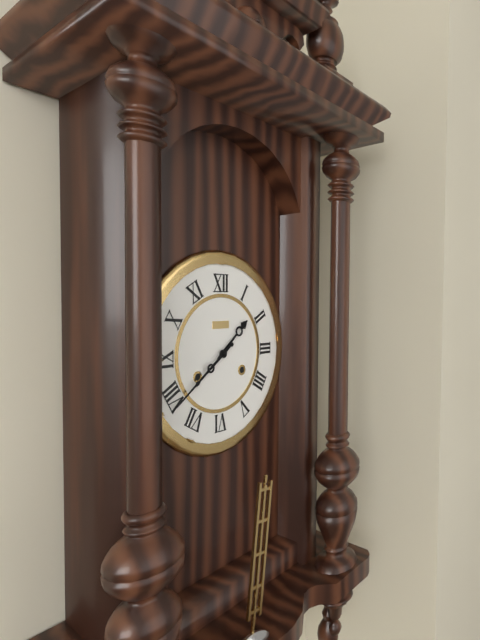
1:39
